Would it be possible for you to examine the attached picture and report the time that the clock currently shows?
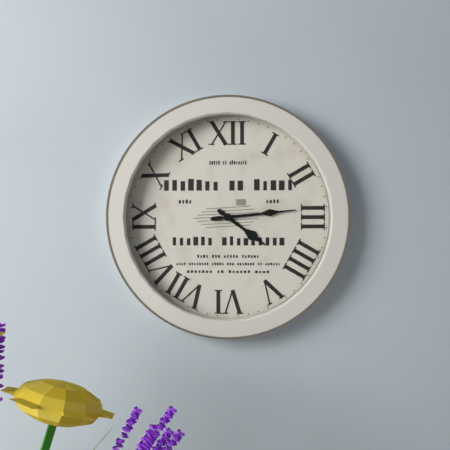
4:14
